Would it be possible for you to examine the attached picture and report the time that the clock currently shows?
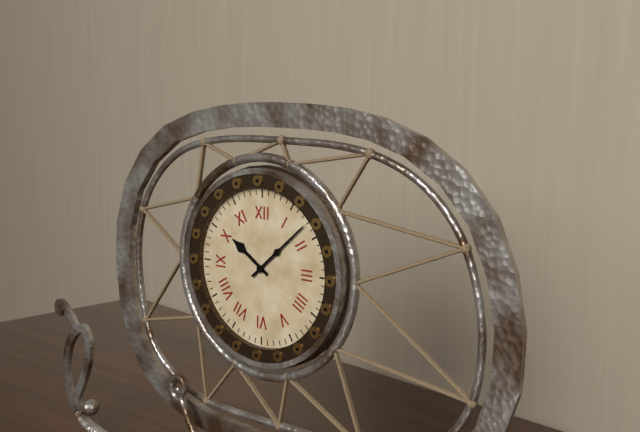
10:08
